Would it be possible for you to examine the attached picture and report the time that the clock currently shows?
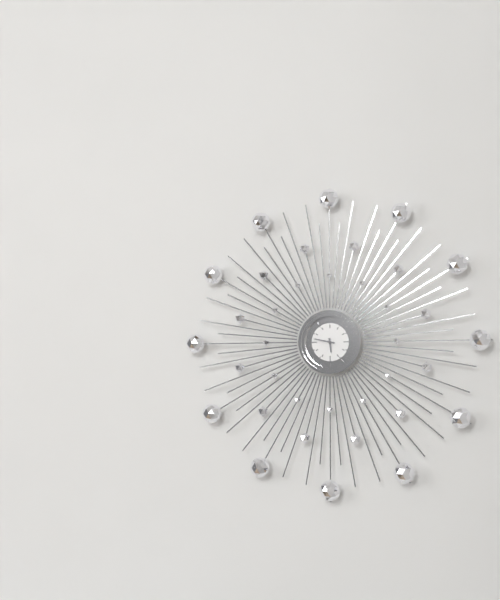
5:47
